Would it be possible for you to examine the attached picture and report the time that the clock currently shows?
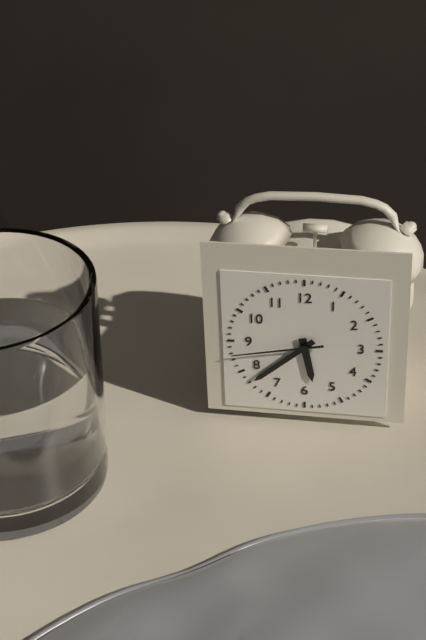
5:38:43
